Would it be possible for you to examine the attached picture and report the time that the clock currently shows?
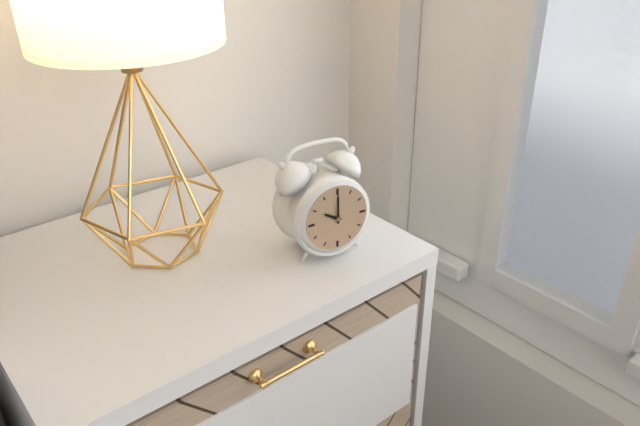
10:00
